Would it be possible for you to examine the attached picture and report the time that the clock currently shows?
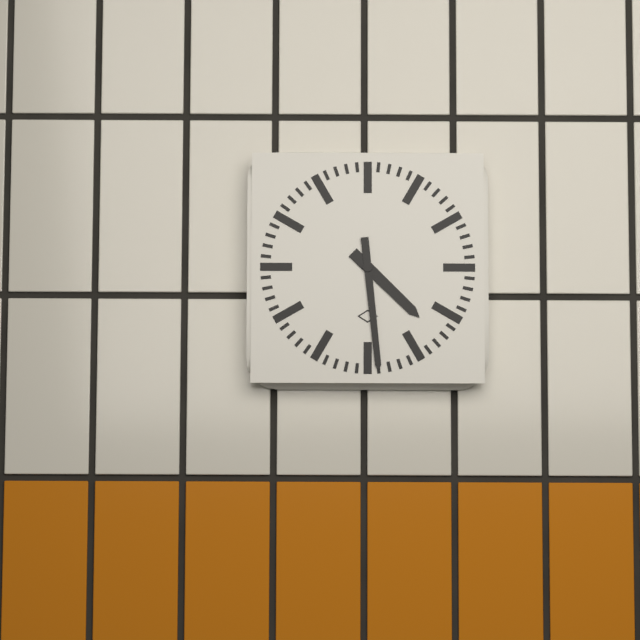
4:29
